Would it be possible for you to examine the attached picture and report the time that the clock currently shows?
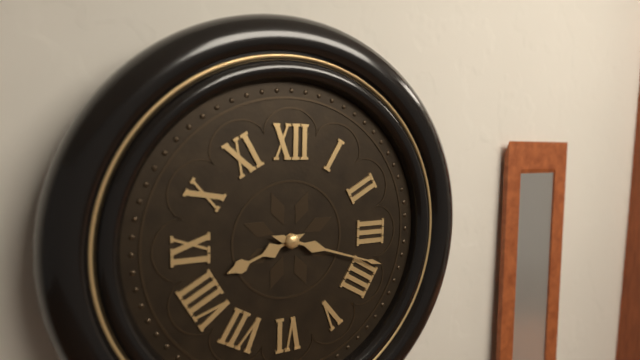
8:18
